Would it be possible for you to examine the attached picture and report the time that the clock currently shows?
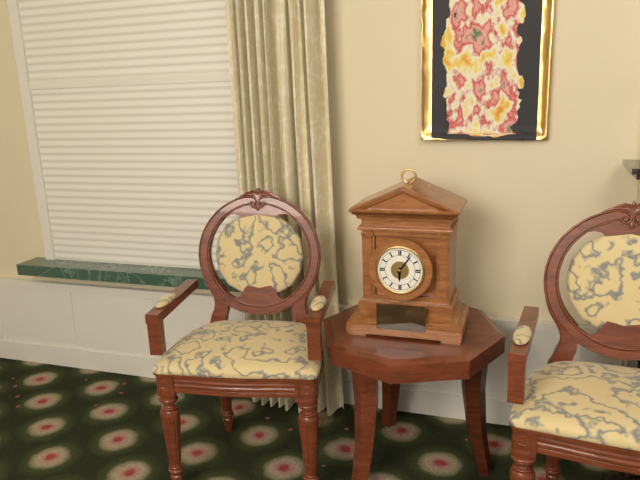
6:06
